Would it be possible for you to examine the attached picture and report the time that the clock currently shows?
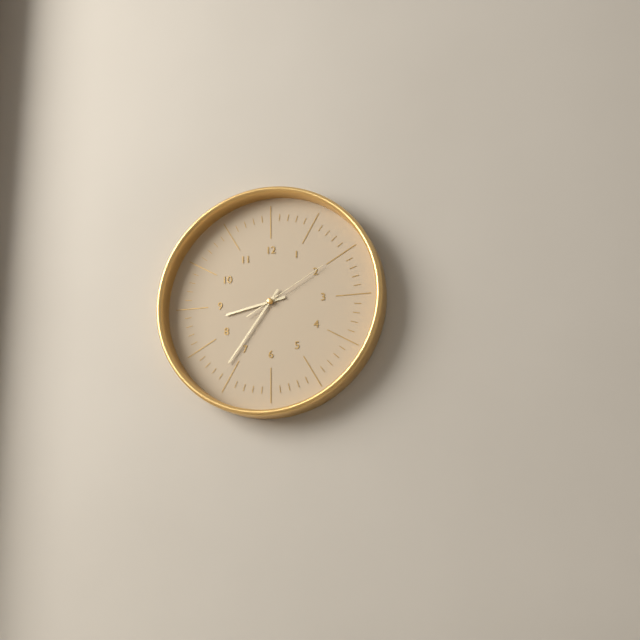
8:36:10
